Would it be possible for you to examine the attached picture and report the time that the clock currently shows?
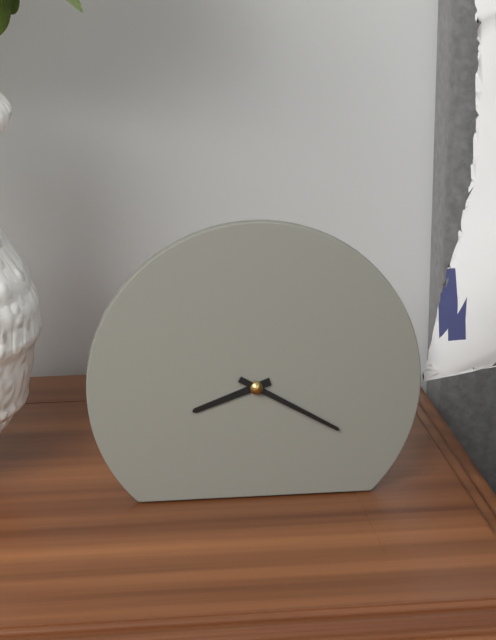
8:20
